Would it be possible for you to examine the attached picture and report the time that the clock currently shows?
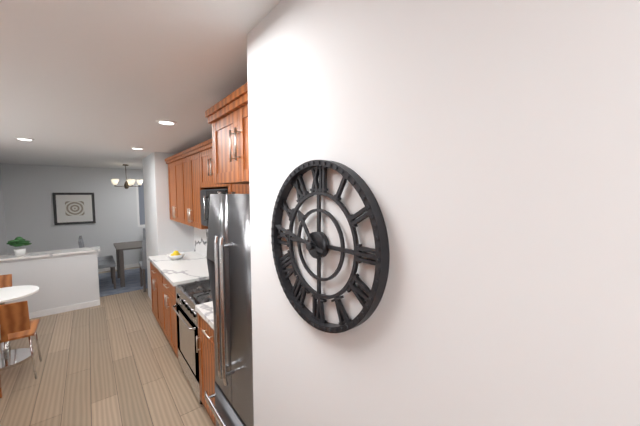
10:47
